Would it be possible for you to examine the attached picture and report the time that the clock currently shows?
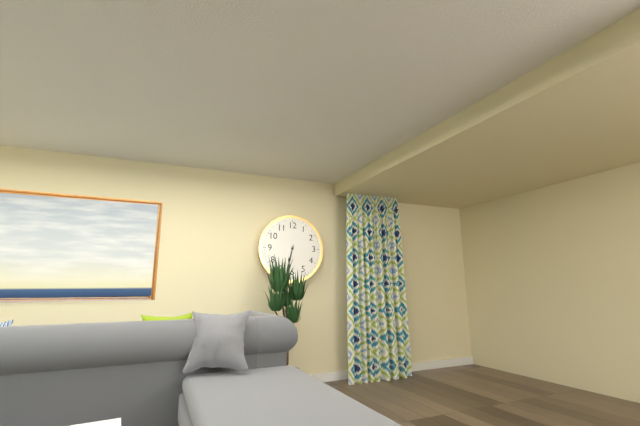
6:32
